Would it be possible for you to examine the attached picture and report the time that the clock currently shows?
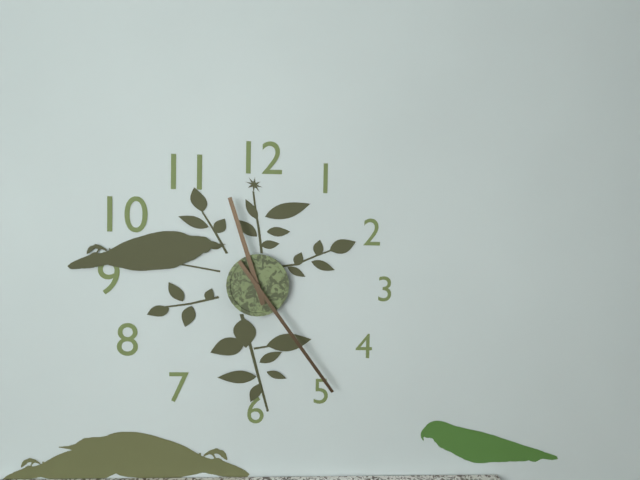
11:24
